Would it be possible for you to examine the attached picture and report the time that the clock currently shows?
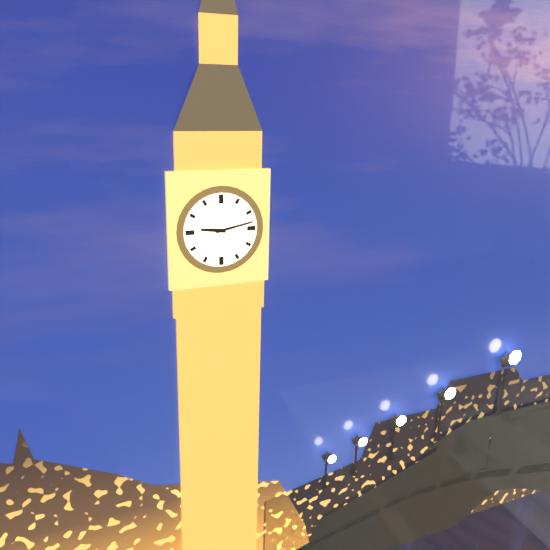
9:13
